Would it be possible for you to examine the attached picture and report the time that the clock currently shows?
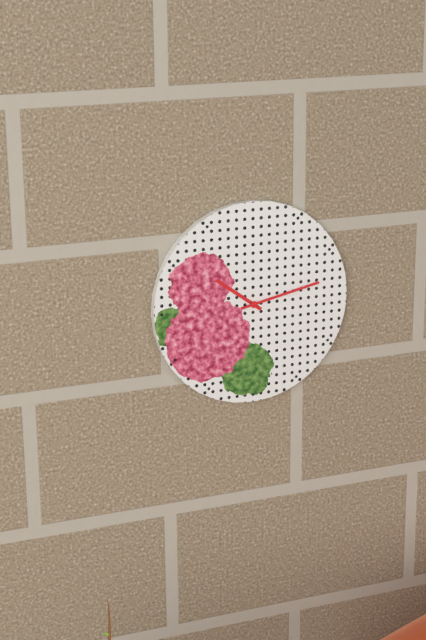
10:13
